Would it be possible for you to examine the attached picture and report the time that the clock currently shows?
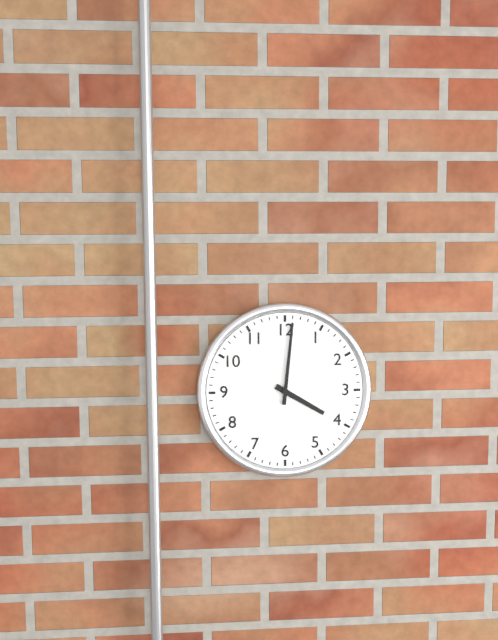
4:01
